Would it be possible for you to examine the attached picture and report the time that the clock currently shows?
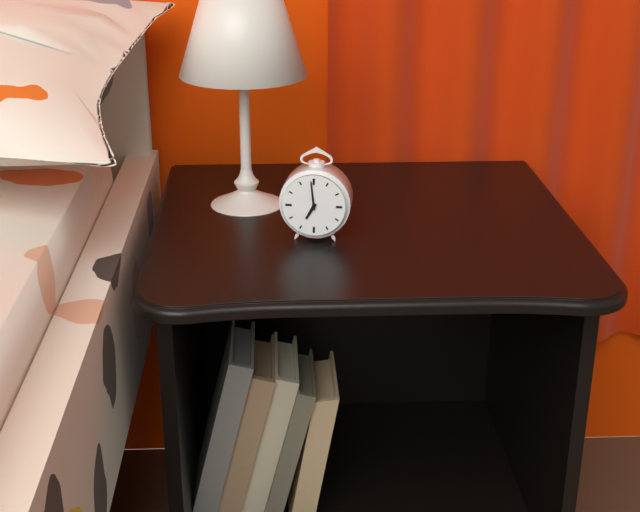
6:59
